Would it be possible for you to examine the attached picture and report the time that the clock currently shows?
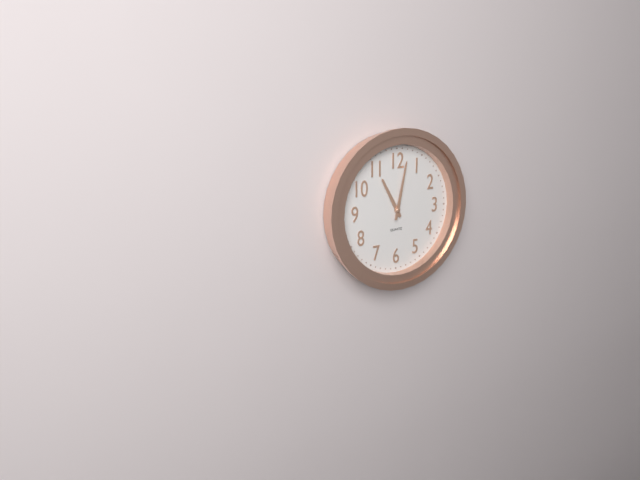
11:02
